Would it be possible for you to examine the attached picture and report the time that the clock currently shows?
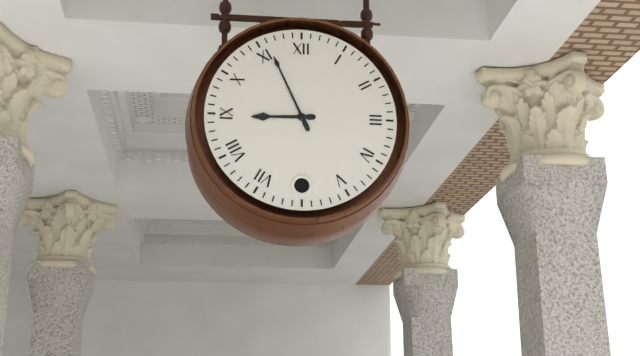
8:56
